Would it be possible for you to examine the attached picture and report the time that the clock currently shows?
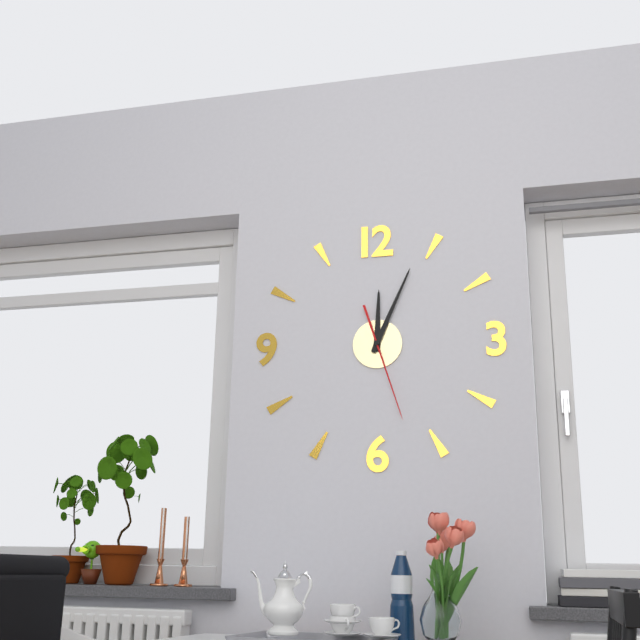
12:04:27
